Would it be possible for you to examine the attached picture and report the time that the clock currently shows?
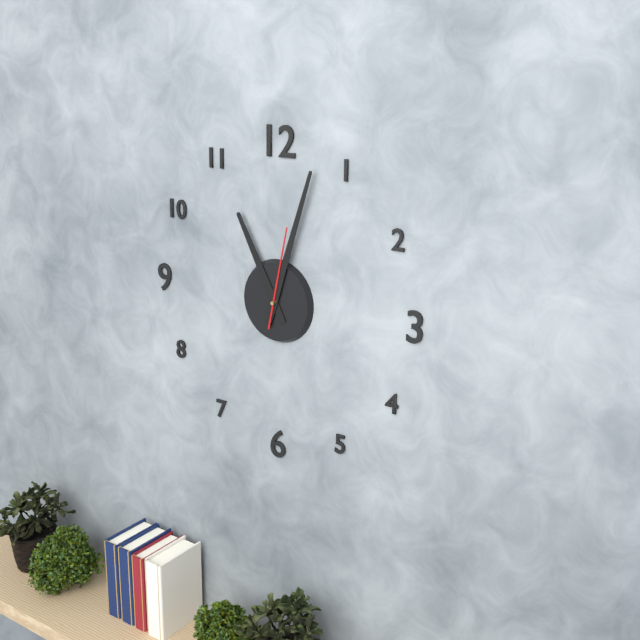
11:03:02
